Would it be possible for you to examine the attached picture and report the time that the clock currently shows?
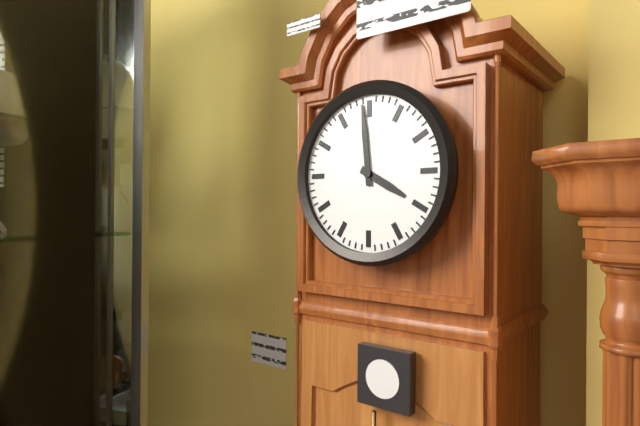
3:59
